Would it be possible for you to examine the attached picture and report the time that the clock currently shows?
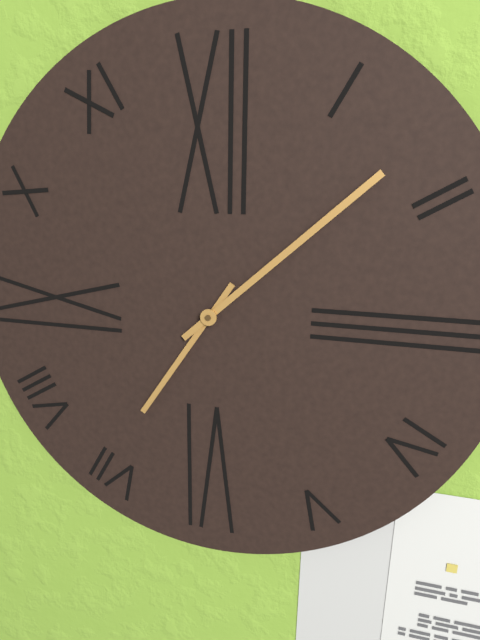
7:08
